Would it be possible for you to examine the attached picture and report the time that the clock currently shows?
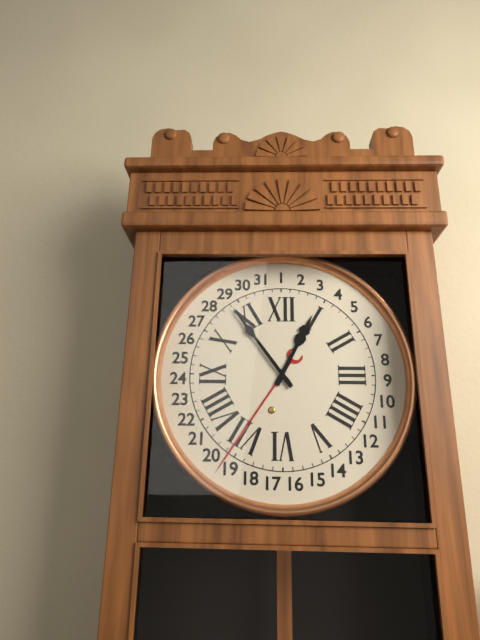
12:54
